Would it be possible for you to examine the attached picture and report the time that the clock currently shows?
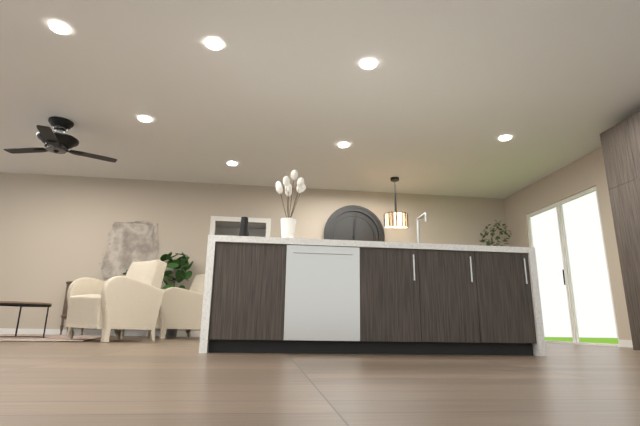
12:01
